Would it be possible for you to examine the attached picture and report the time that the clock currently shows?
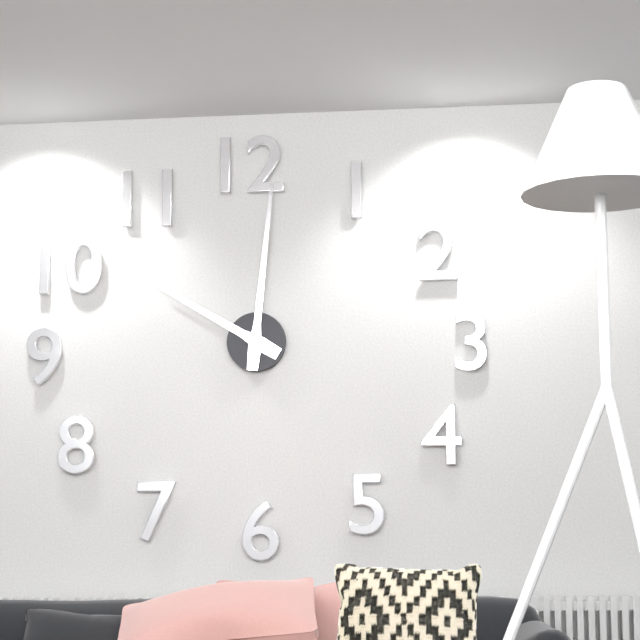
10:01
